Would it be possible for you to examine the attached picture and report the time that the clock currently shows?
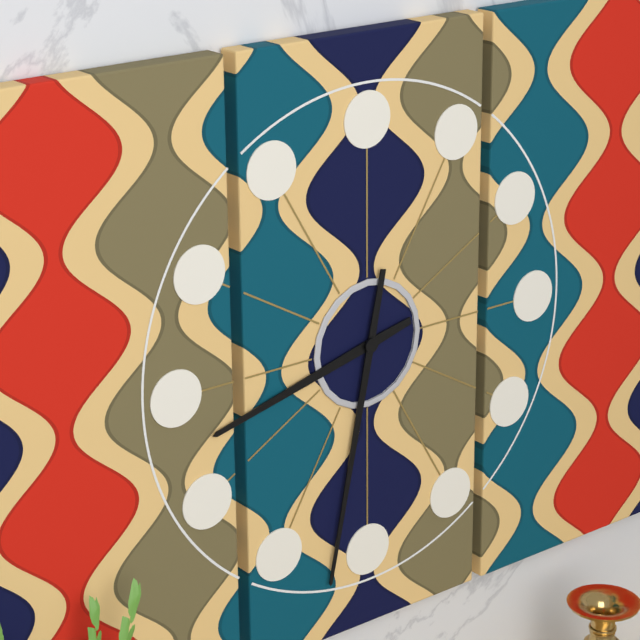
8:32
